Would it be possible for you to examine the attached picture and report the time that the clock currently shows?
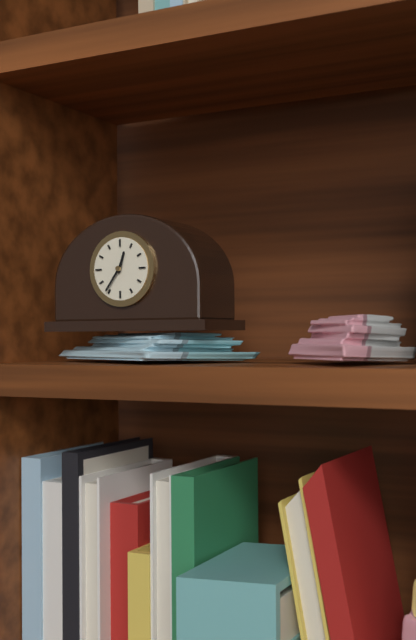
12:36
